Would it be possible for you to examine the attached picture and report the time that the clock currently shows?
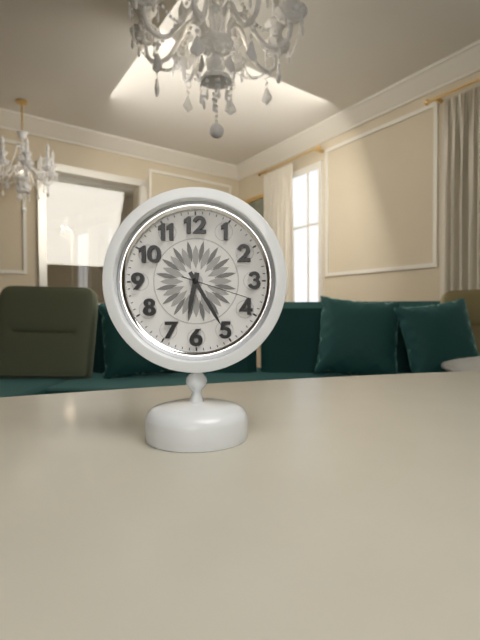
6:25:18
